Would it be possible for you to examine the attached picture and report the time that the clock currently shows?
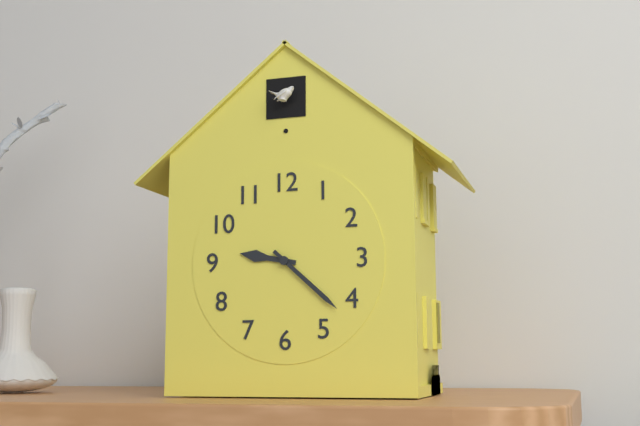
9:22
